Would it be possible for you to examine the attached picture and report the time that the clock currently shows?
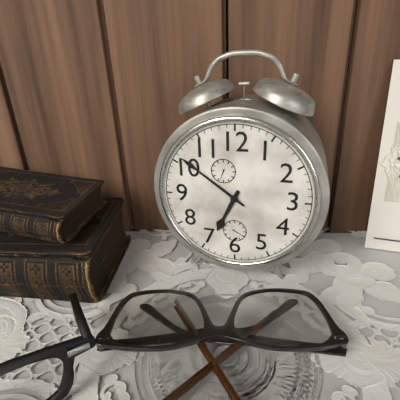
6:51
